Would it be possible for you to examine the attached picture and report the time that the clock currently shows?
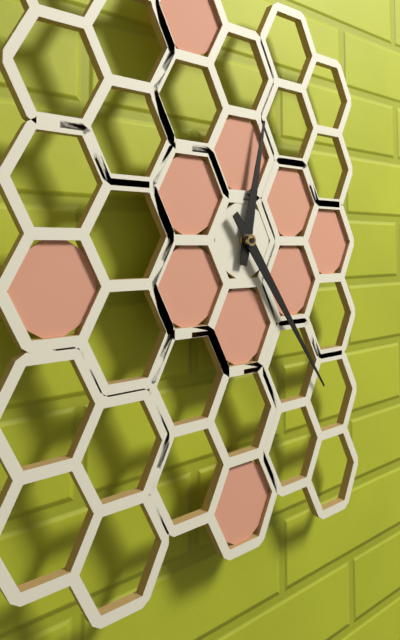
12:24
